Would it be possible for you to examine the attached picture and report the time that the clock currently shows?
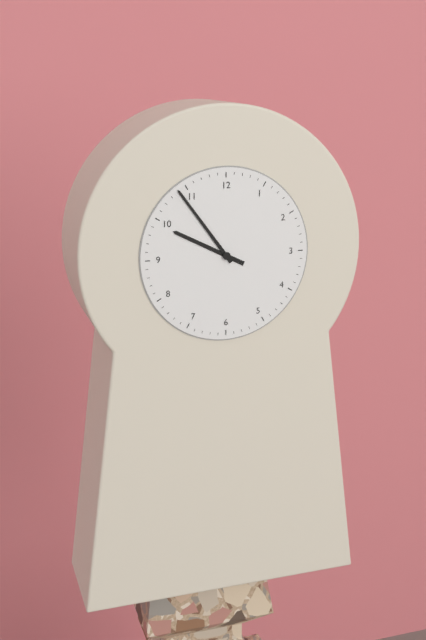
9:54
